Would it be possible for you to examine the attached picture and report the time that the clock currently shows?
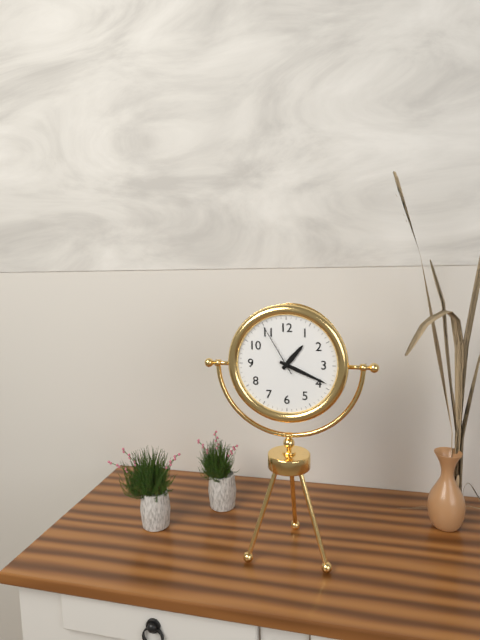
1:19:55
